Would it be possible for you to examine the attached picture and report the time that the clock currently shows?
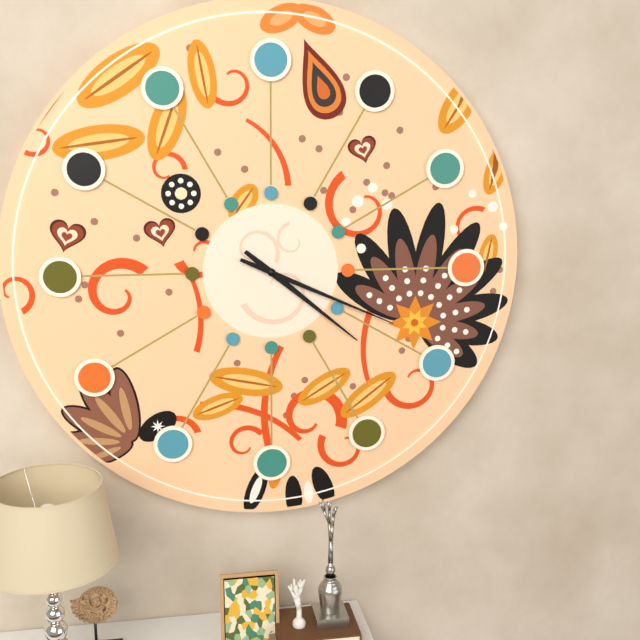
4:19
